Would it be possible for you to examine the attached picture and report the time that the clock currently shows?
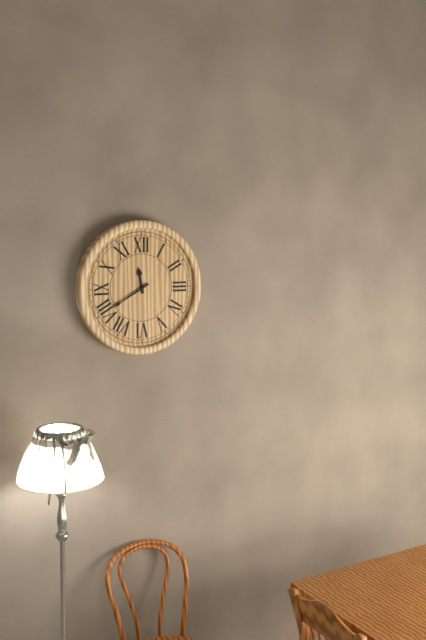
11:40
